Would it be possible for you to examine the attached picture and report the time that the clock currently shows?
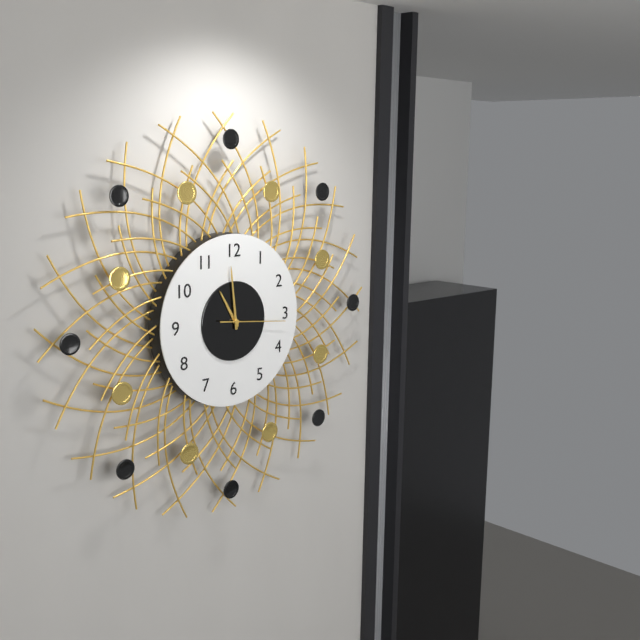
10:59:16
